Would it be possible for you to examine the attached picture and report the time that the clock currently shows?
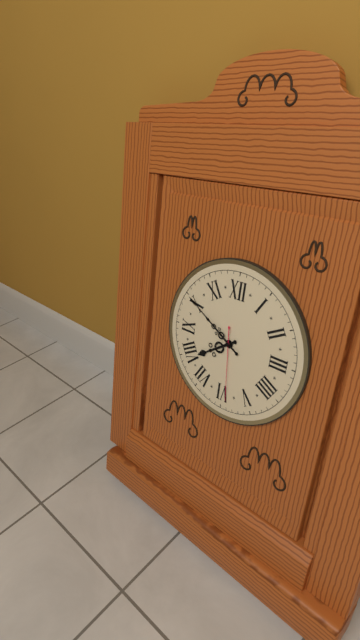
7:50:29
